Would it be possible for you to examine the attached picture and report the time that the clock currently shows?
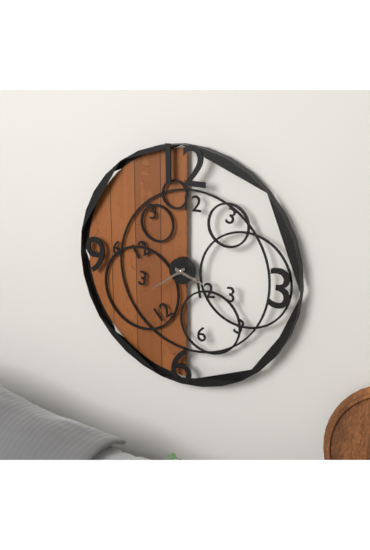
3:39
